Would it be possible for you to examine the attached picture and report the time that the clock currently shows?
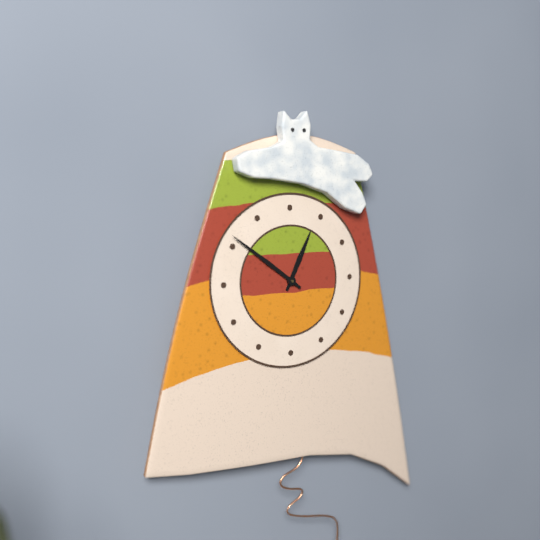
12:51
